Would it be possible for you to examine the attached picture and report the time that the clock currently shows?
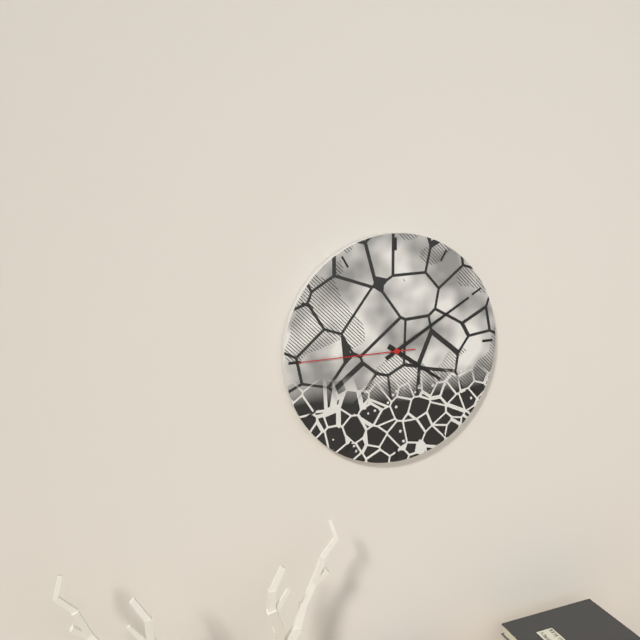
4:10:45
